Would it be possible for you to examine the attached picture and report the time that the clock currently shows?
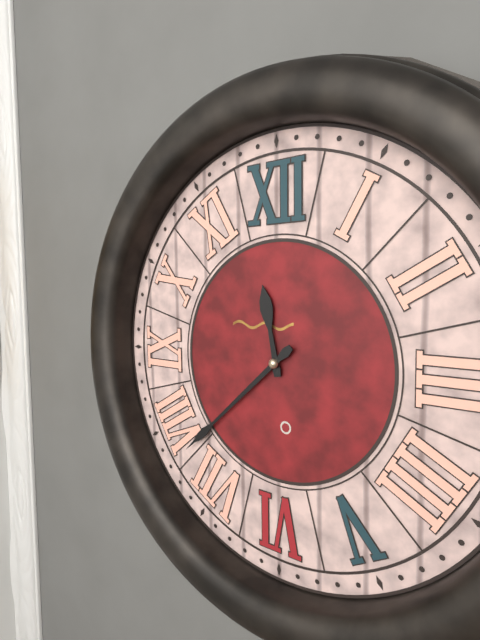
11:38
